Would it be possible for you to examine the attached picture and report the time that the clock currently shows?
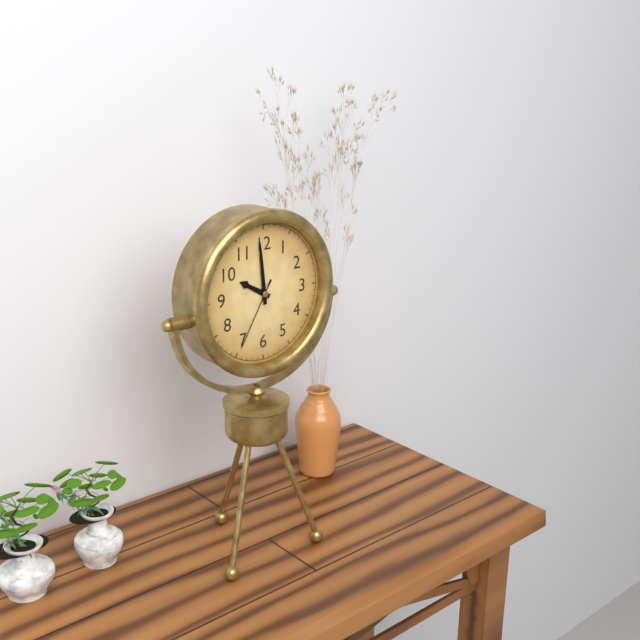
9:59:35
